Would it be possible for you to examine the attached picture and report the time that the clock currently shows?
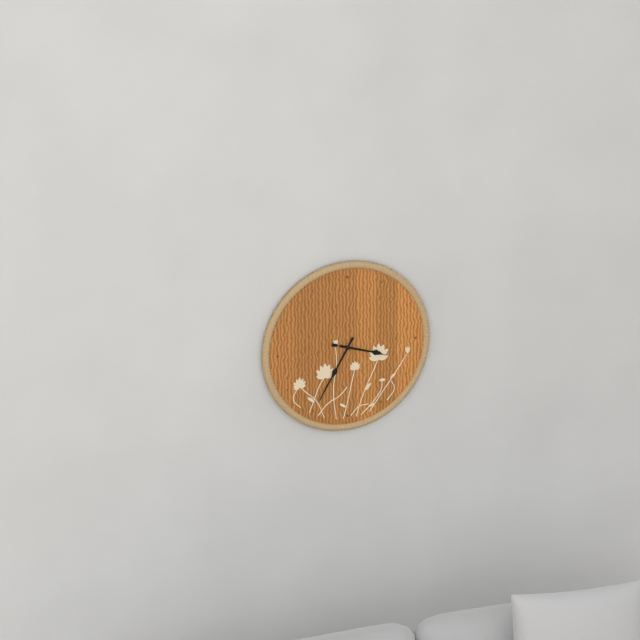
3:35:18
